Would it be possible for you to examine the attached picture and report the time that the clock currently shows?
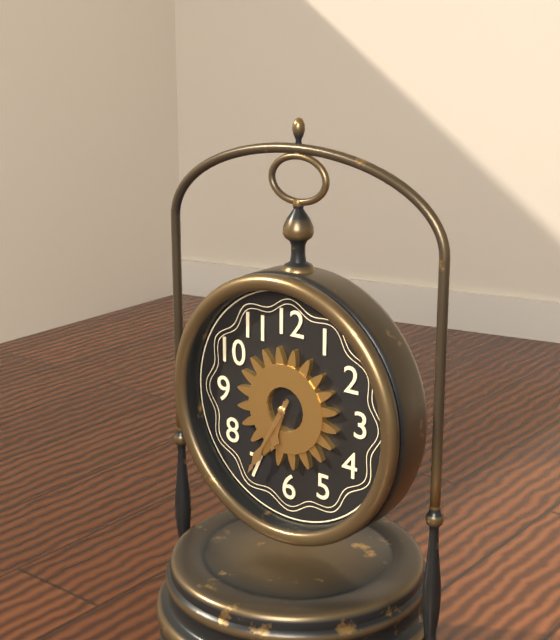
6:35
